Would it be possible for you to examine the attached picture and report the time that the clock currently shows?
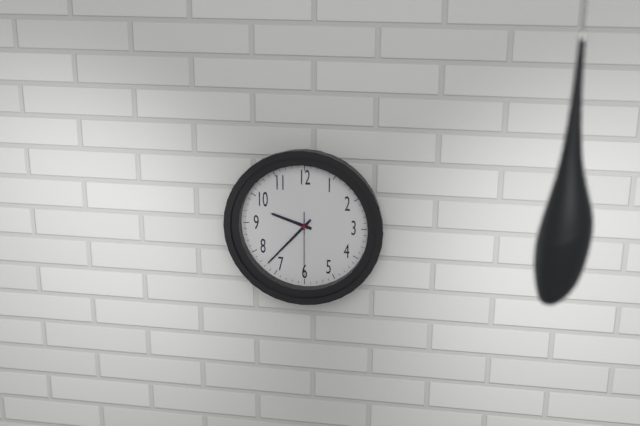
9:37:30
